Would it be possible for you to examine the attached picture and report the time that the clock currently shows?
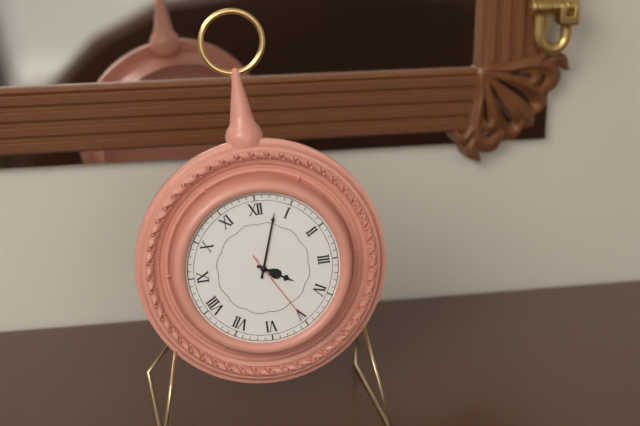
4:03:25
